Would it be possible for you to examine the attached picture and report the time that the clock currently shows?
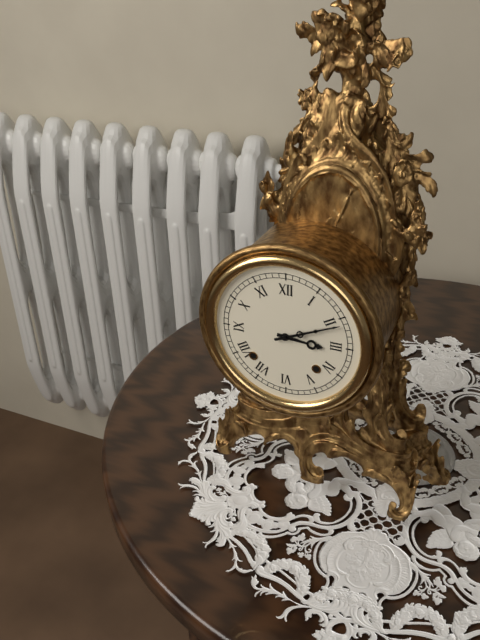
3:11
